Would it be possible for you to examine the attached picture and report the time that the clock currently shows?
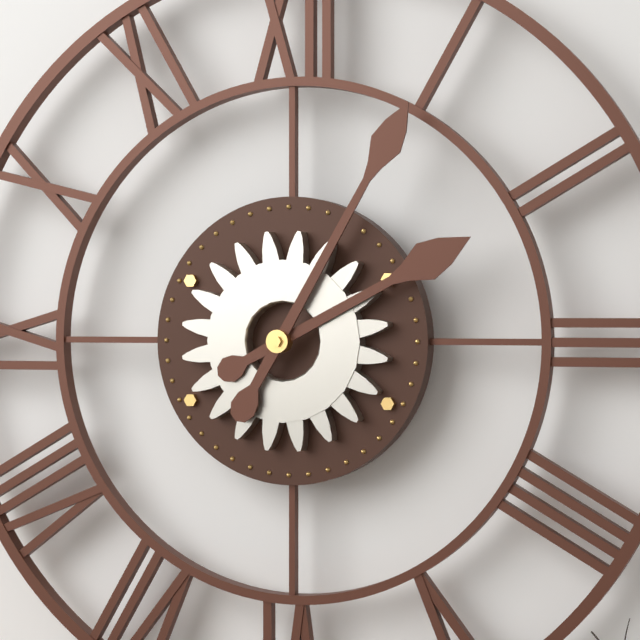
2:05
